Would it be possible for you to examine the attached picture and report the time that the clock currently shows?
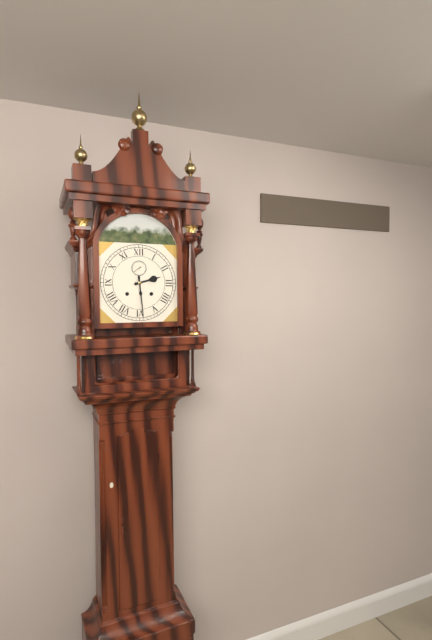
2:29
